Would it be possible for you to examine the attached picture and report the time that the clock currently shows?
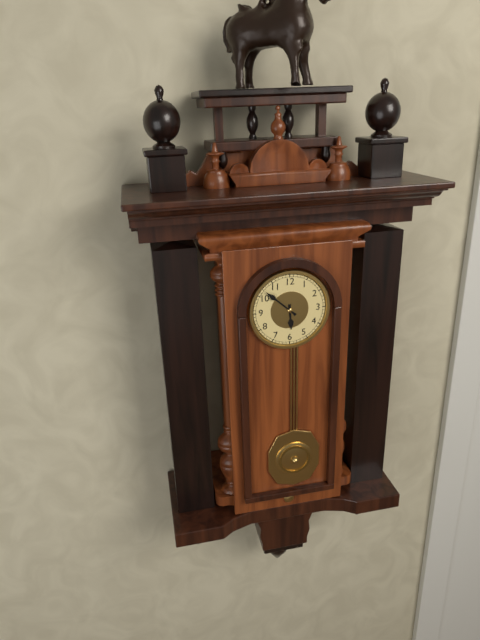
5:52
